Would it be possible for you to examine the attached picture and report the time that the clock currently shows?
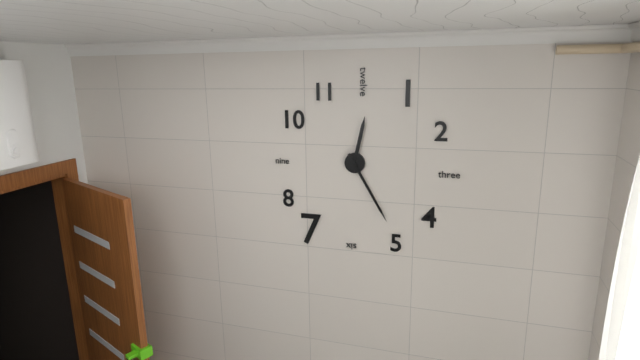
12:25
